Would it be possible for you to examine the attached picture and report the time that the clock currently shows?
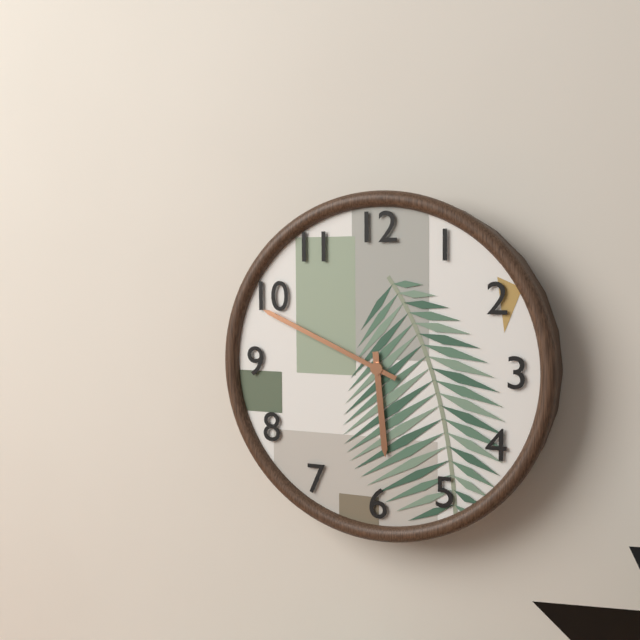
5:49
